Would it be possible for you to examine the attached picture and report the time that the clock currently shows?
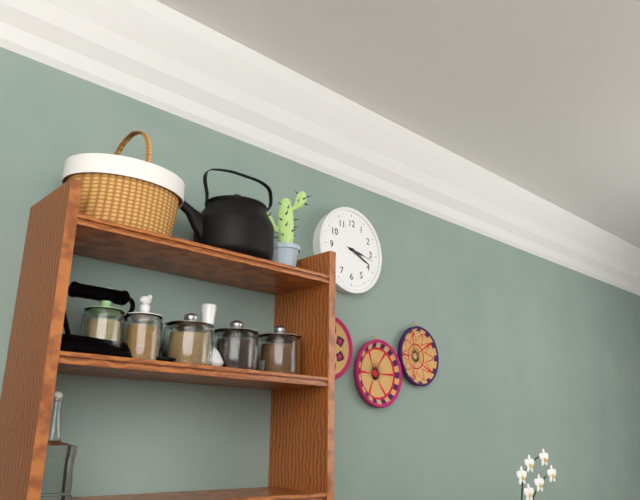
3:19
